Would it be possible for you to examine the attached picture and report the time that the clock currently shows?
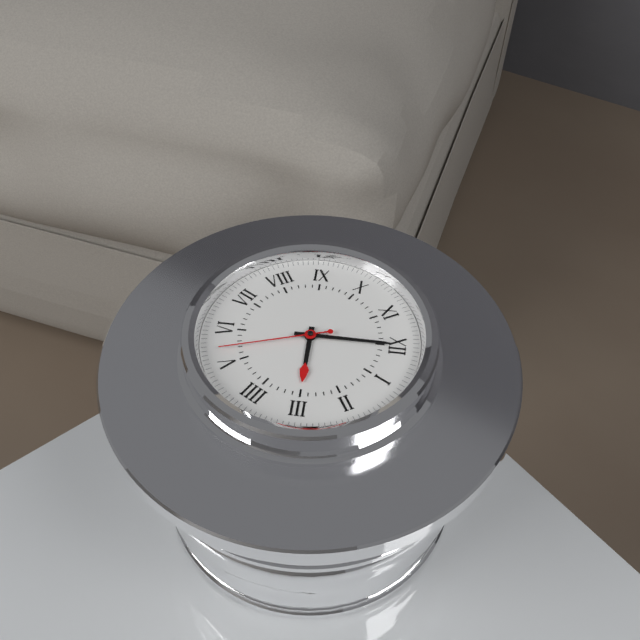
3:00:27
